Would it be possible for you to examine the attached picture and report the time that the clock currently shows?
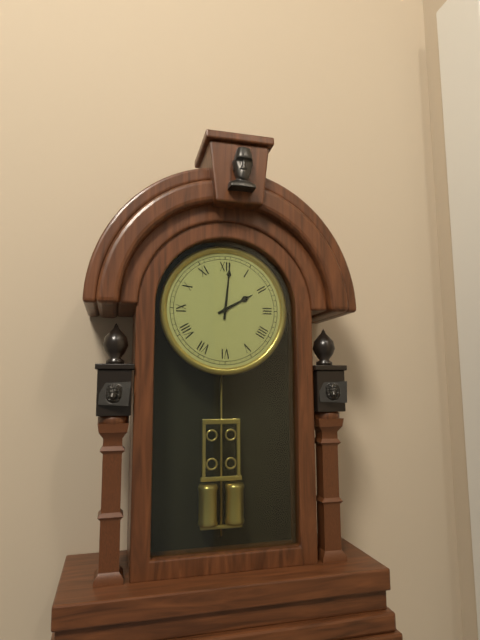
2:01
